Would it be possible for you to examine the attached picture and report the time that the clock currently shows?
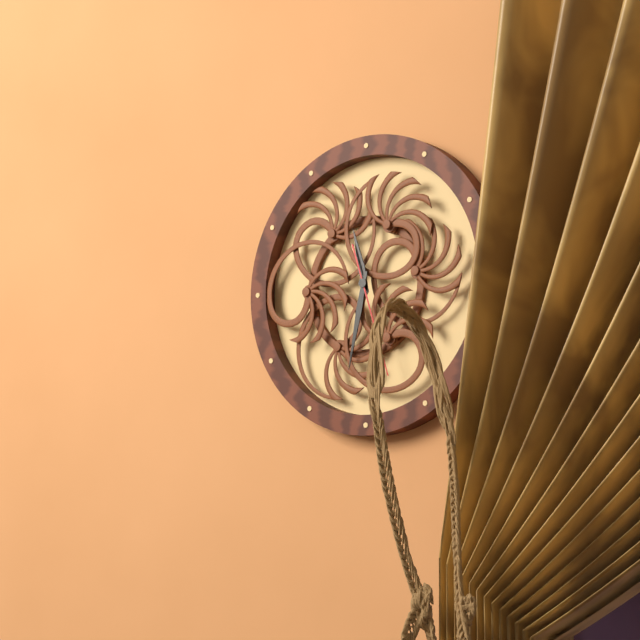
11:32:27
